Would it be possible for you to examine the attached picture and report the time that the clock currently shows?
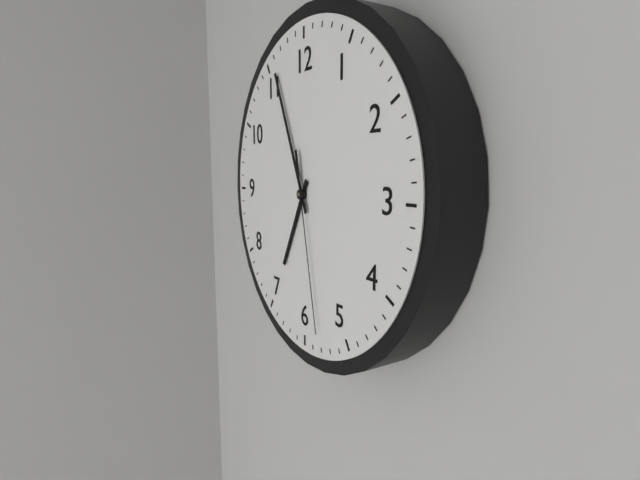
6:56:28
